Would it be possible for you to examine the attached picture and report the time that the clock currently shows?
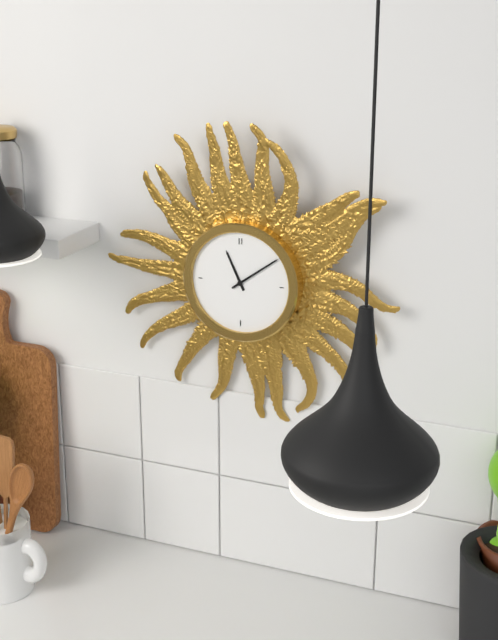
11:09
